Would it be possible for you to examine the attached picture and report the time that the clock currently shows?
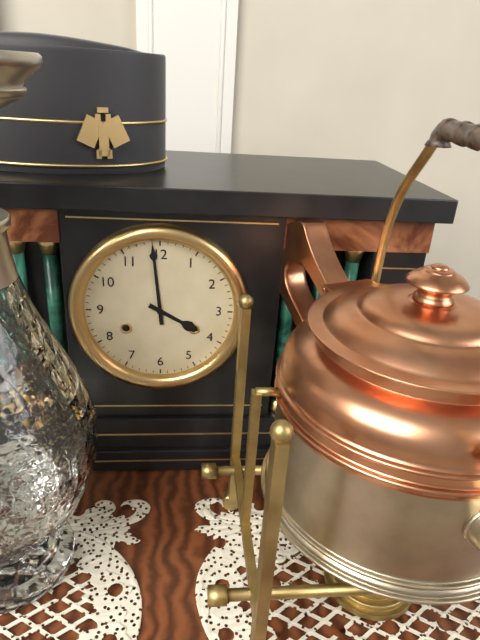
3:59
